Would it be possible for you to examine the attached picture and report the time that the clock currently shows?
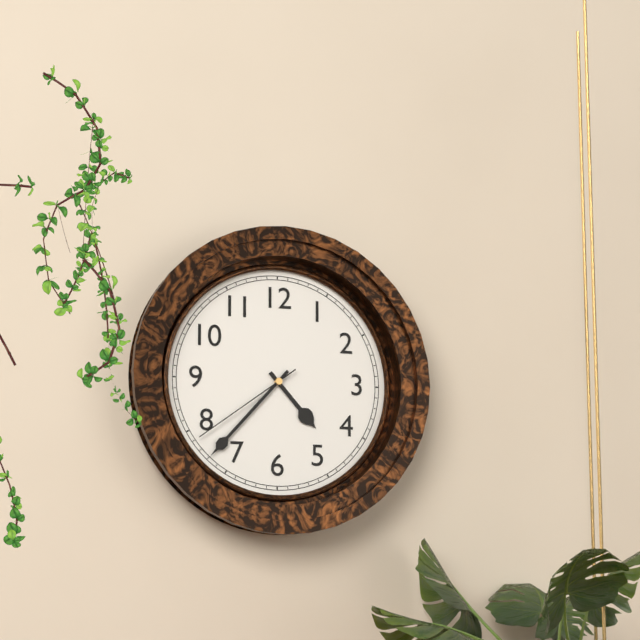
4:37:39
